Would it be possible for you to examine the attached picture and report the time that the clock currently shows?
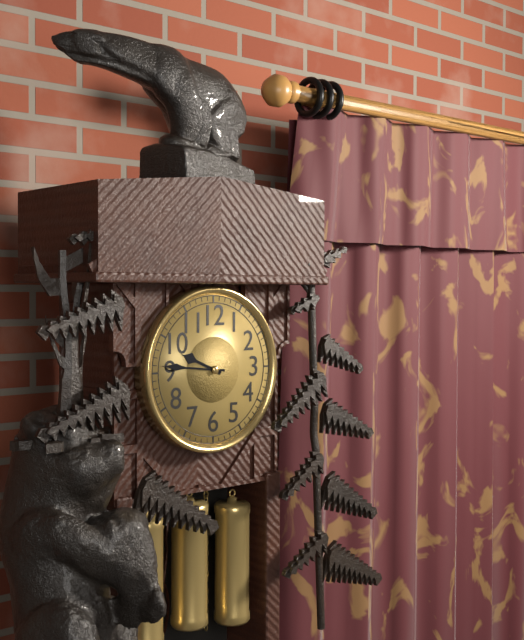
9:46
